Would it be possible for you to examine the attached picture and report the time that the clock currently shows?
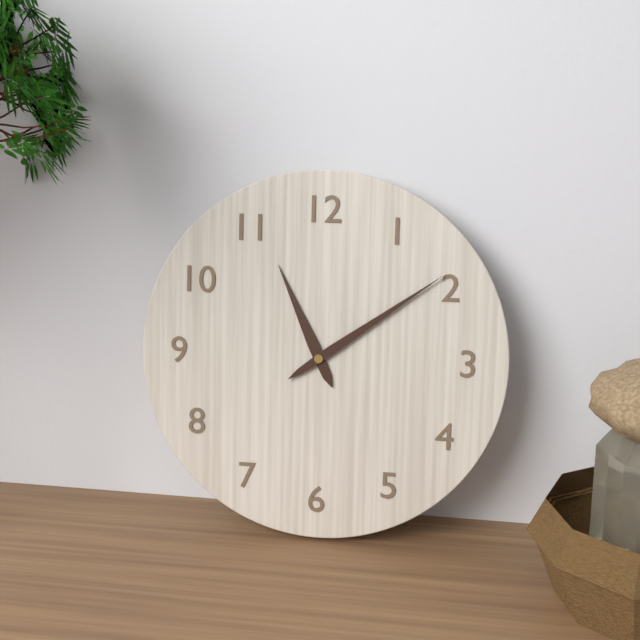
11:09
